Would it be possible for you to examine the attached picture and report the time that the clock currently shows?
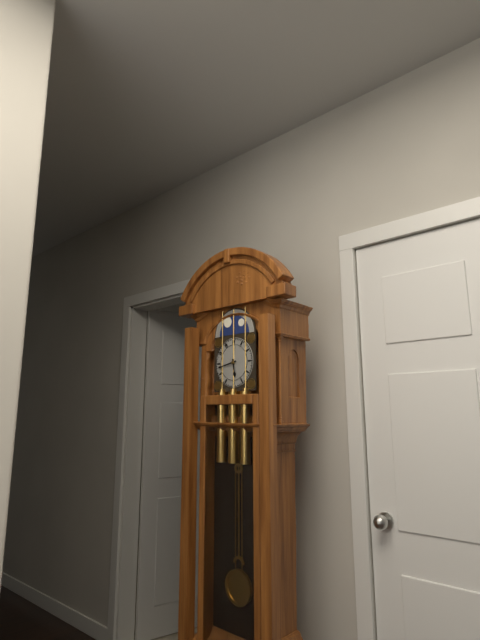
5:43
